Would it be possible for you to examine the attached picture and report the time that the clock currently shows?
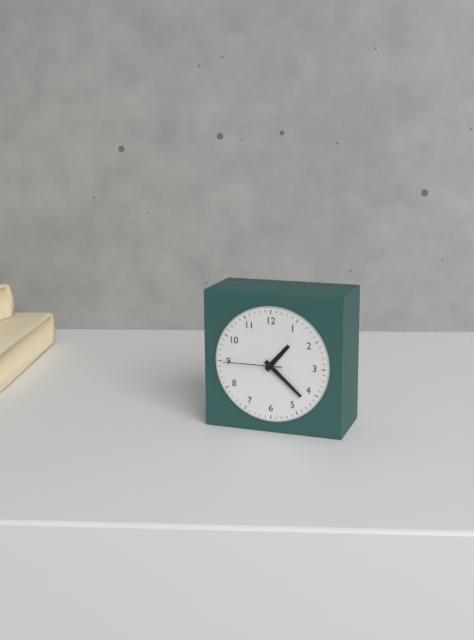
1:22:45
